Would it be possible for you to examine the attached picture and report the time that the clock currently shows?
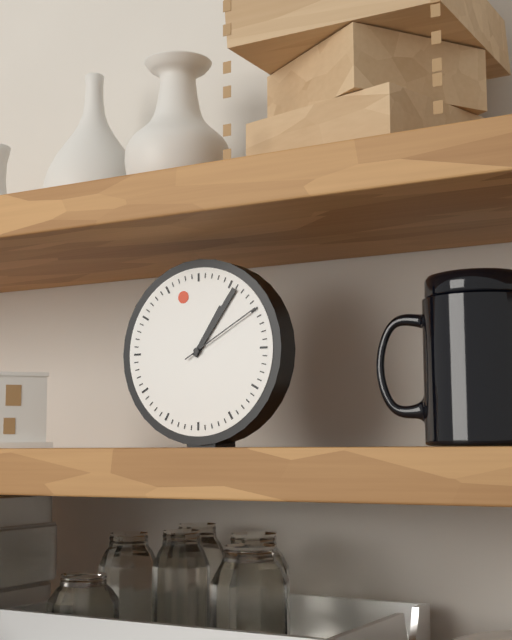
1:06:10
